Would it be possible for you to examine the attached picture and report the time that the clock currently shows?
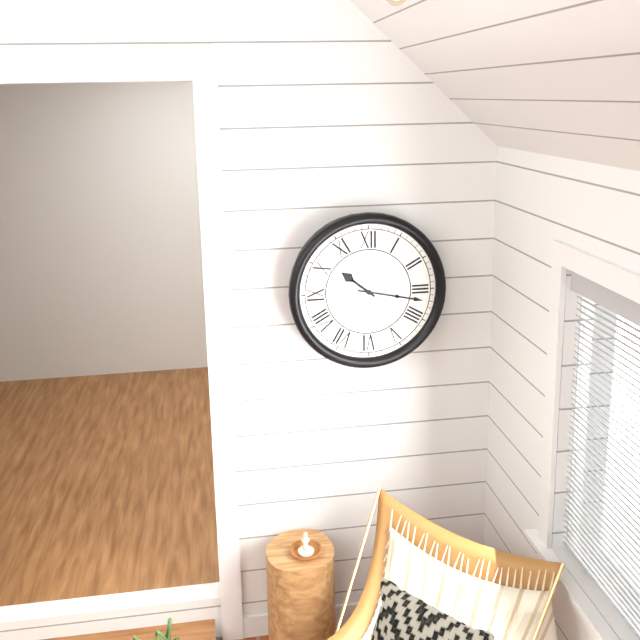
10:17
